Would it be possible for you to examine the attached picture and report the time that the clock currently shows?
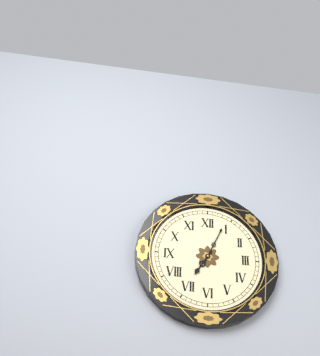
7:04
